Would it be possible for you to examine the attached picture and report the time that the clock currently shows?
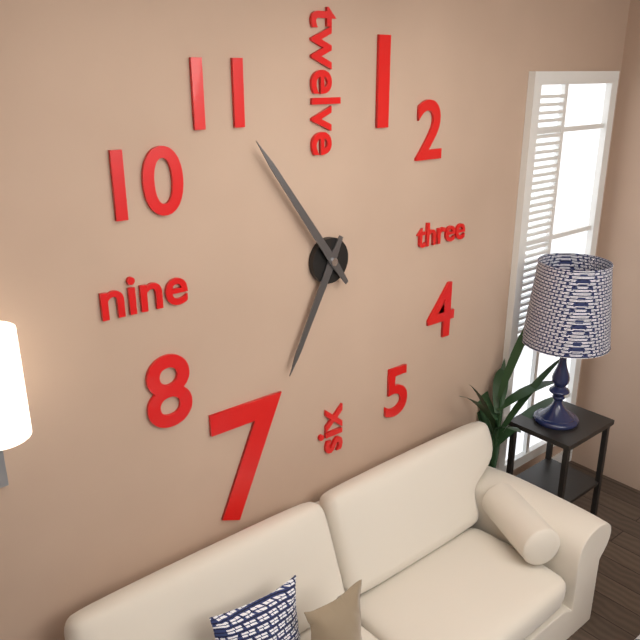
6:54
